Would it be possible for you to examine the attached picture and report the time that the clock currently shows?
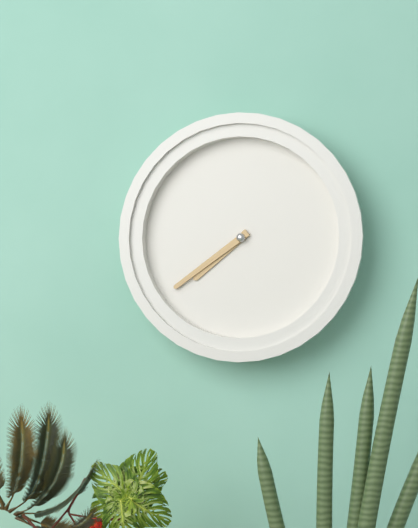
7:39
